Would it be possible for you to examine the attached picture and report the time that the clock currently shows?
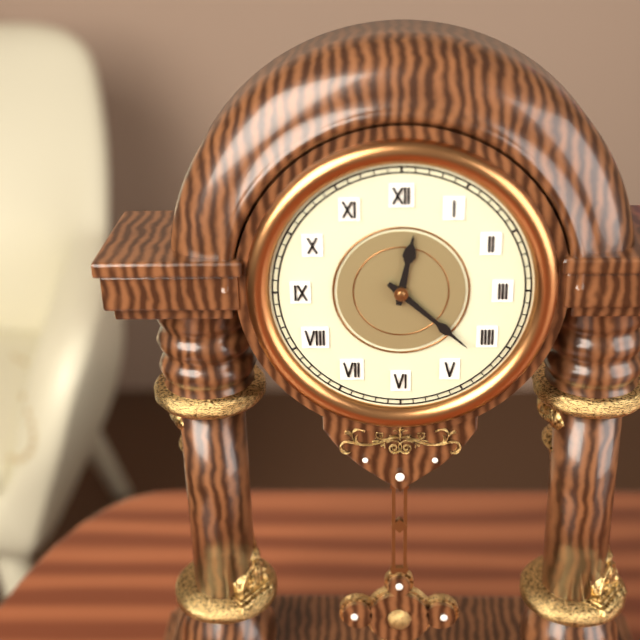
12:22
